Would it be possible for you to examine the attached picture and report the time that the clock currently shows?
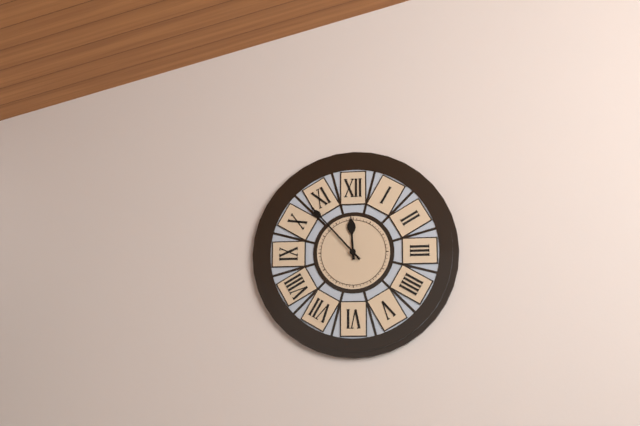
11:53
